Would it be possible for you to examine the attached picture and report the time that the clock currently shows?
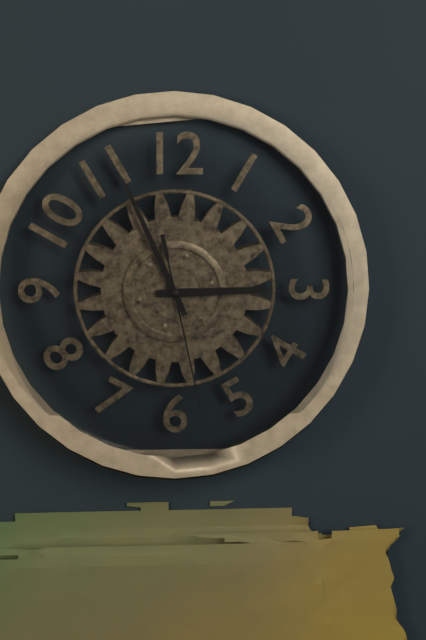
2:56:28
